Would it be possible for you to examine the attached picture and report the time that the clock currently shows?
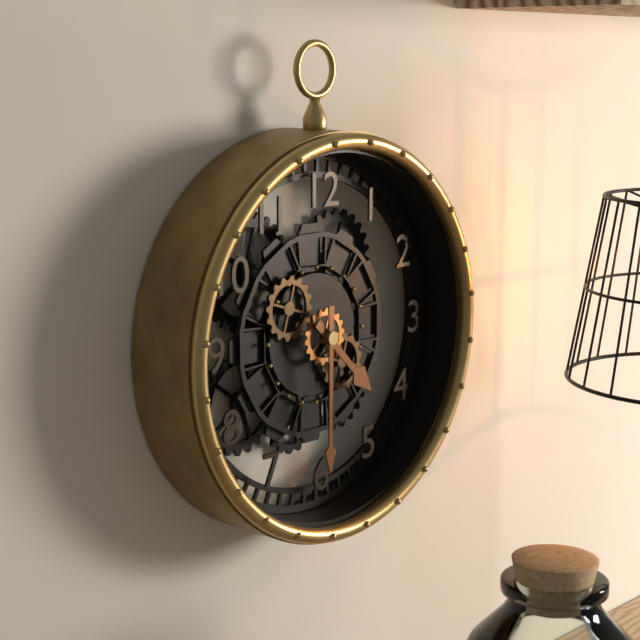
4:30
